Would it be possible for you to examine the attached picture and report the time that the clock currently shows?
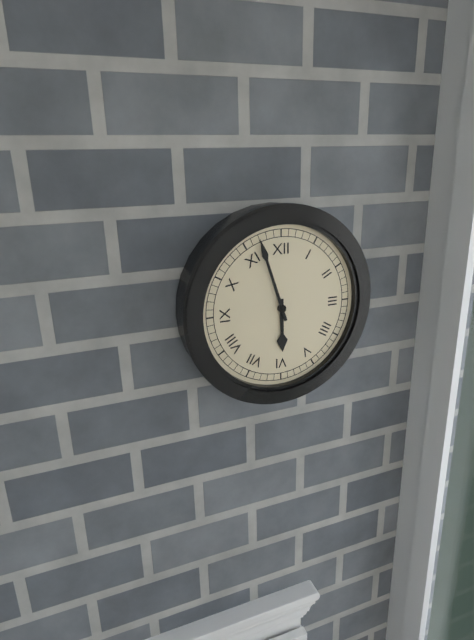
5:57
